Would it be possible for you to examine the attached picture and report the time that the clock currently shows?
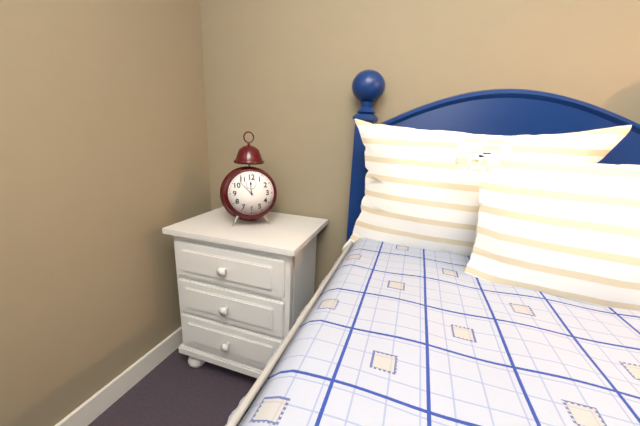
11:53
